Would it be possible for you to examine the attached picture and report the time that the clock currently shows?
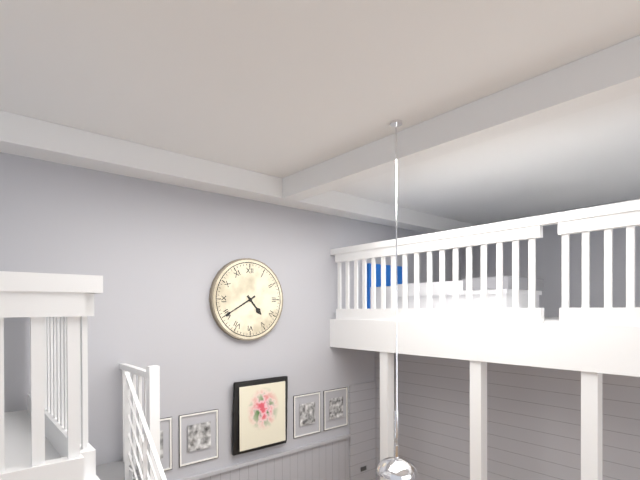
4:40
